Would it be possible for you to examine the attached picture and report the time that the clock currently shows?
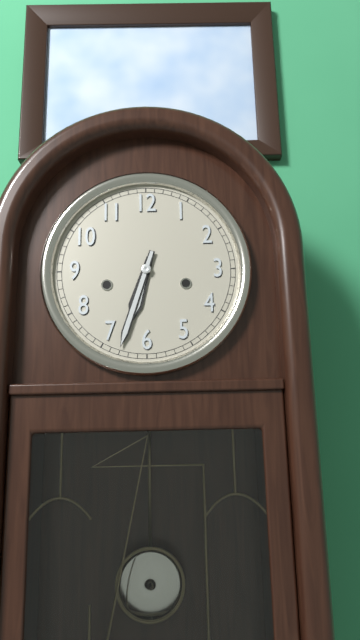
6:33
